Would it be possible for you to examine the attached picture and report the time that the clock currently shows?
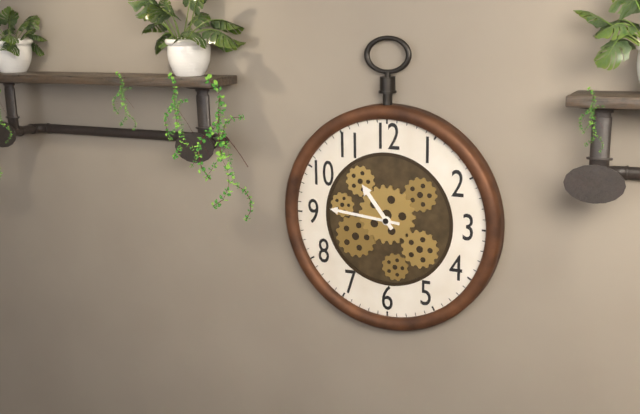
10:46
